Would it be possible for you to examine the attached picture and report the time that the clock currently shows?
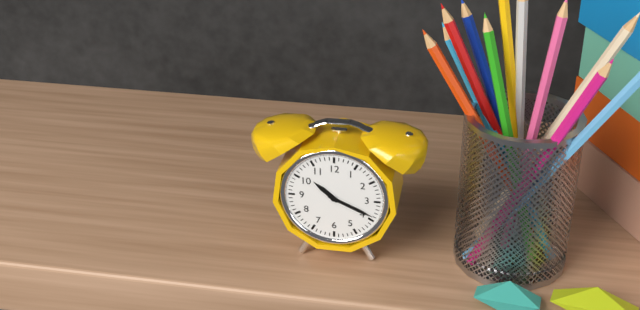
10:19
